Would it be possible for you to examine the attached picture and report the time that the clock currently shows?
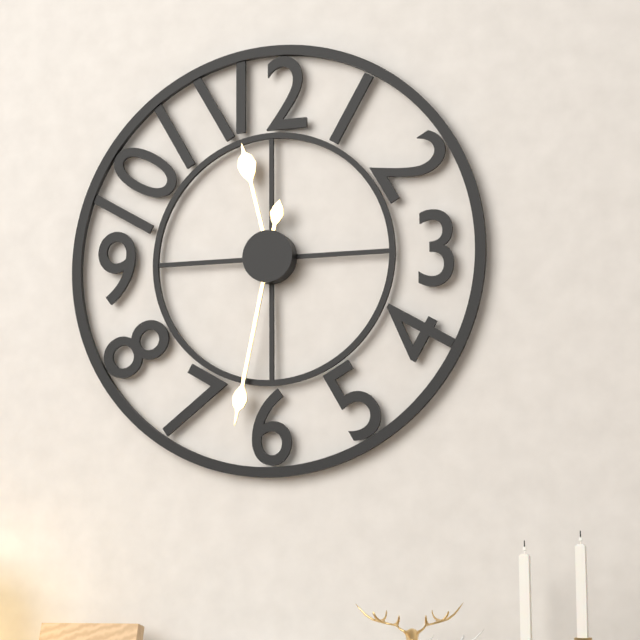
11:32
